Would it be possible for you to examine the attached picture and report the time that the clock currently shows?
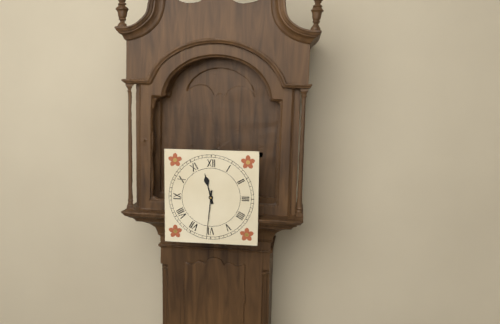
11:31
